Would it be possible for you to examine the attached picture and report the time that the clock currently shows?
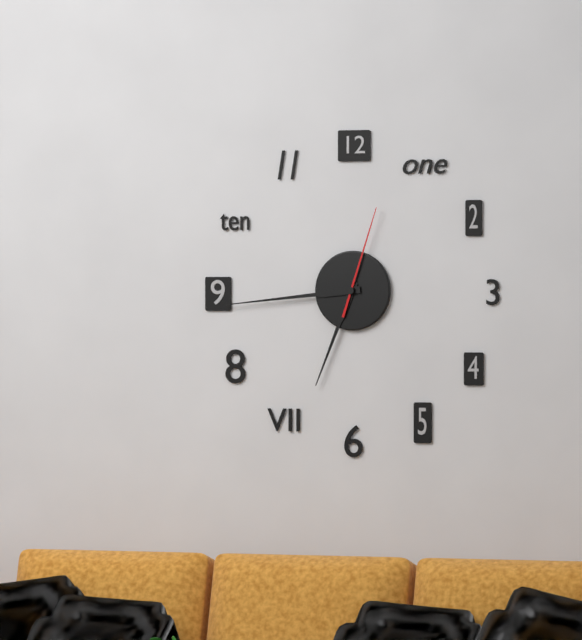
6:44:03
